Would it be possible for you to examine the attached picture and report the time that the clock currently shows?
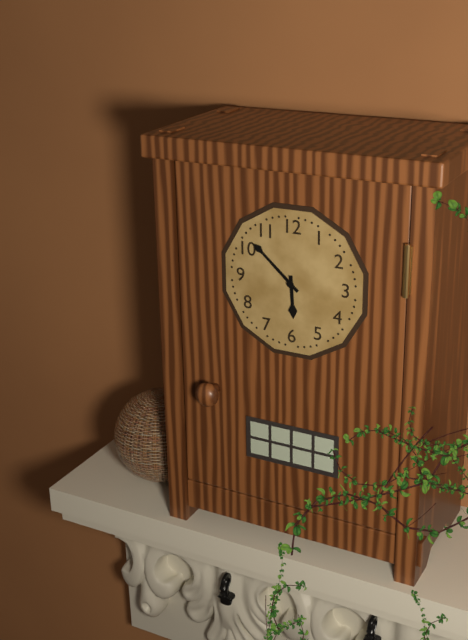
5:52
